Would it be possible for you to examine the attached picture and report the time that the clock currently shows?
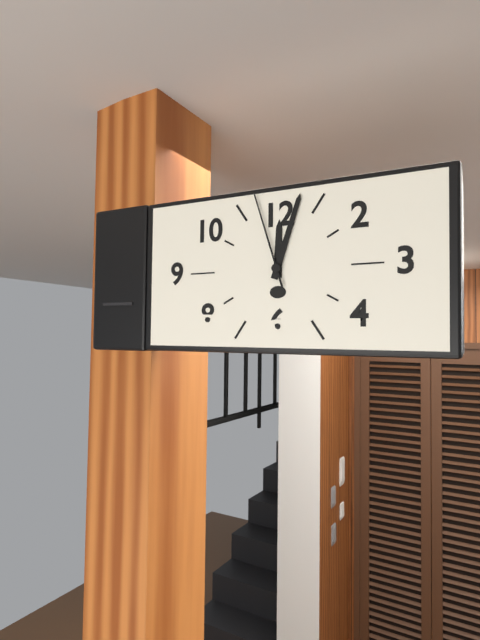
12:03:57
